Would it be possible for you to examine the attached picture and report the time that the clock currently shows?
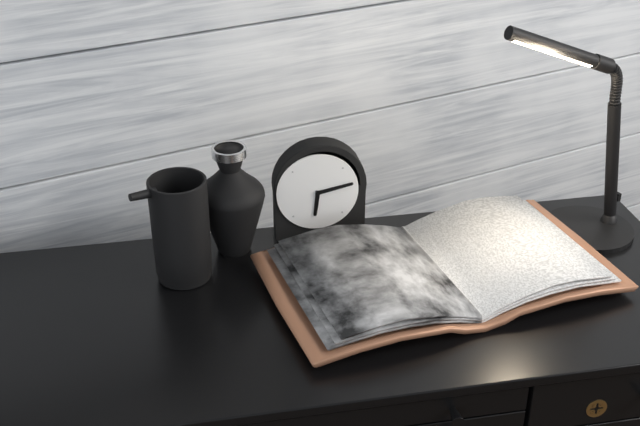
6:13
